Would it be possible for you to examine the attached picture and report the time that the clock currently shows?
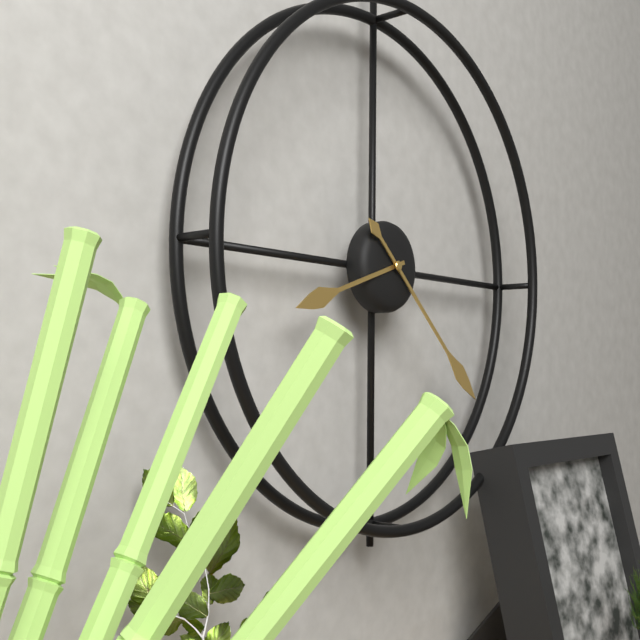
8:22
